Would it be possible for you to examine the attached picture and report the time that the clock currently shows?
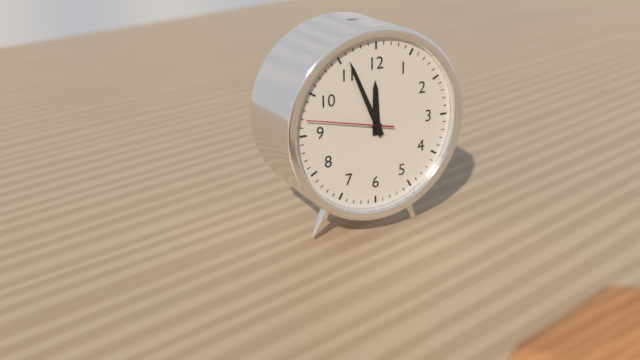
11:56:47
